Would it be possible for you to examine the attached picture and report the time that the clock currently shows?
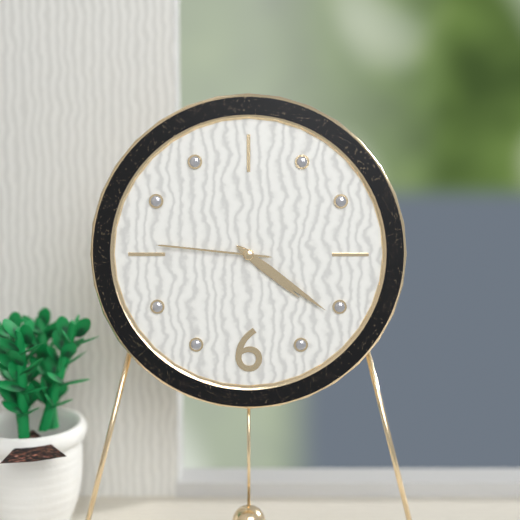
4:21:46
